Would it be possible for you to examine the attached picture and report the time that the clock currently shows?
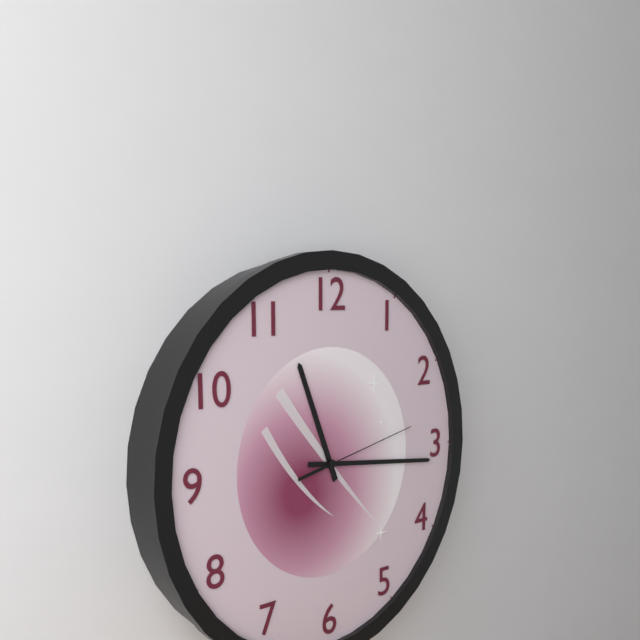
11:16:13
